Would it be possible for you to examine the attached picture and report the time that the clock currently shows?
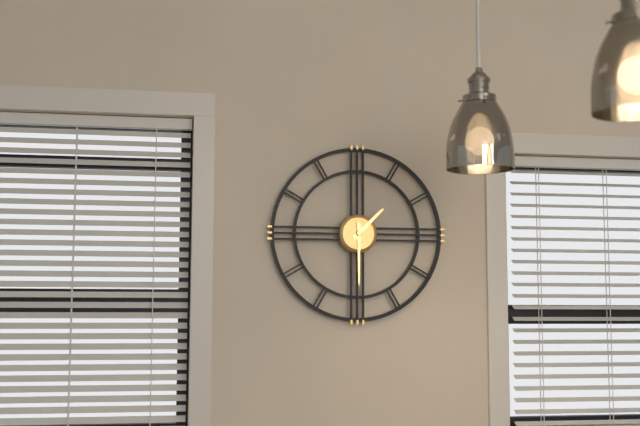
1:30
